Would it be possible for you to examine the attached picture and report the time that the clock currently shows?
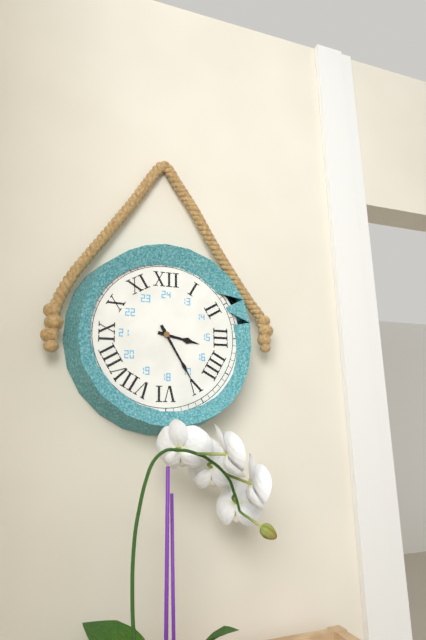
3:25
